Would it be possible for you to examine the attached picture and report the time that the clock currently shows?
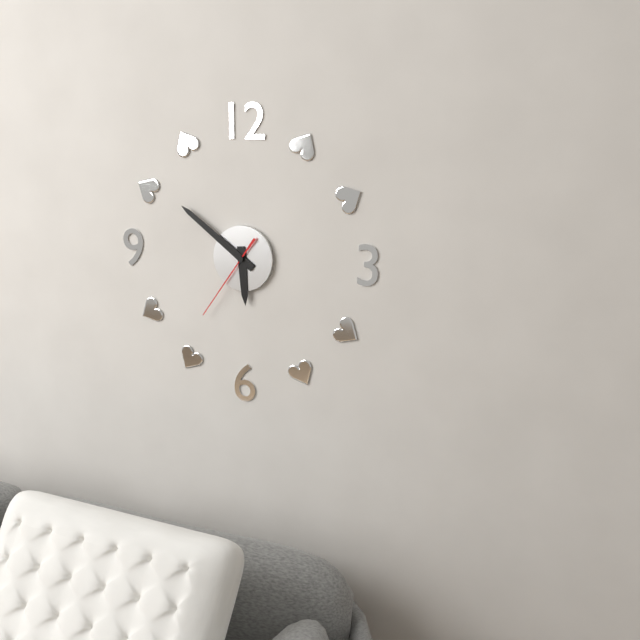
5:51:36
